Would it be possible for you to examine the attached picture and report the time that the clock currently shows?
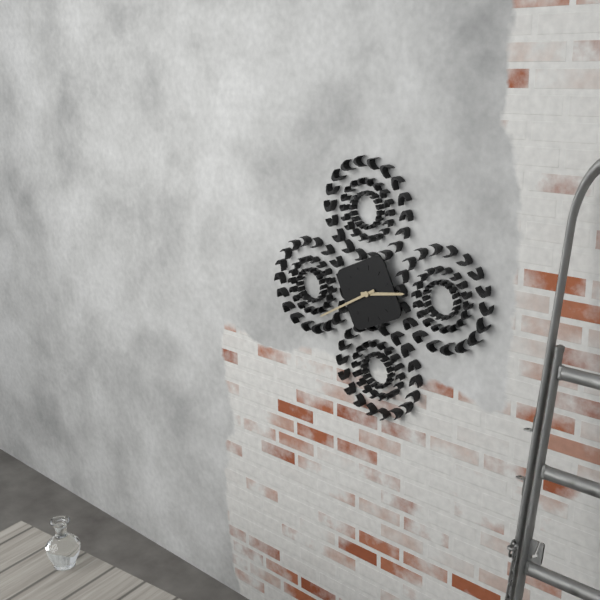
2:40
